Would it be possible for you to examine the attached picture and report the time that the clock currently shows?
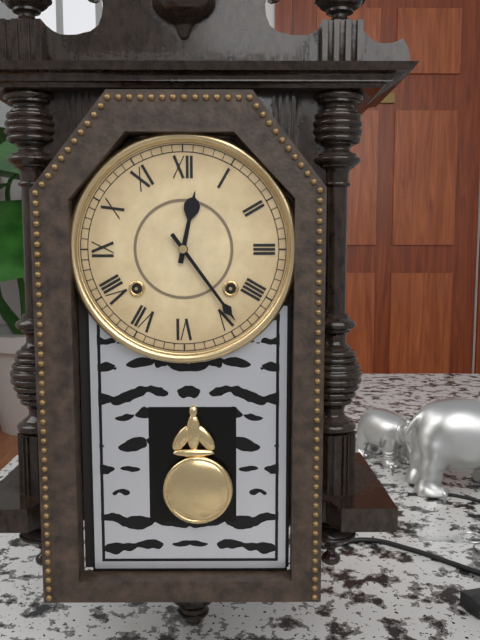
12:24
